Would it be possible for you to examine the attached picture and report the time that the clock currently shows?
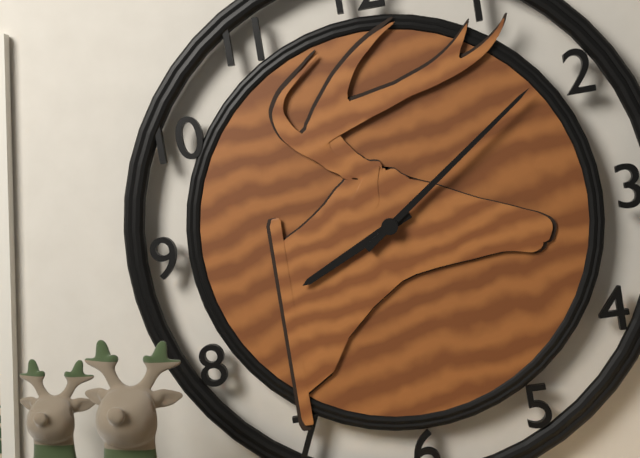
8:09
